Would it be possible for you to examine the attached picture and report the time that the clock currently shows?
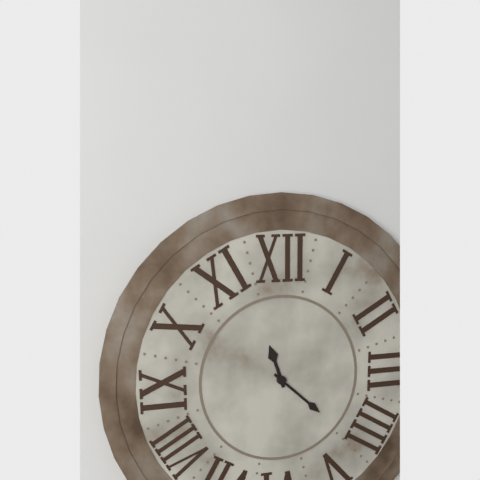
11:22
